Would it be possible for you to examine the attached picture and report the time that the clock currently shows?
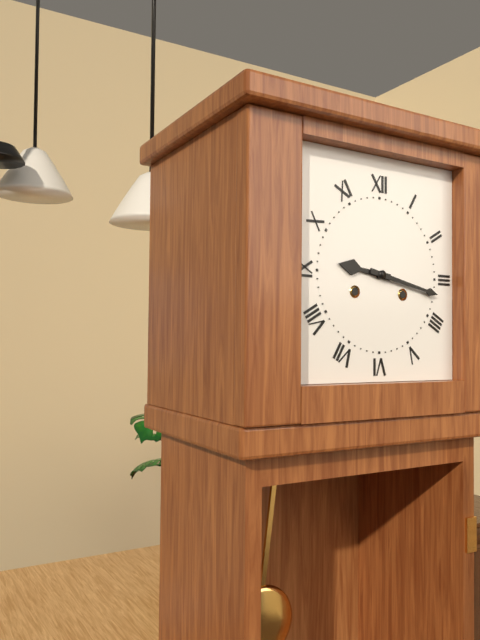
9:17
